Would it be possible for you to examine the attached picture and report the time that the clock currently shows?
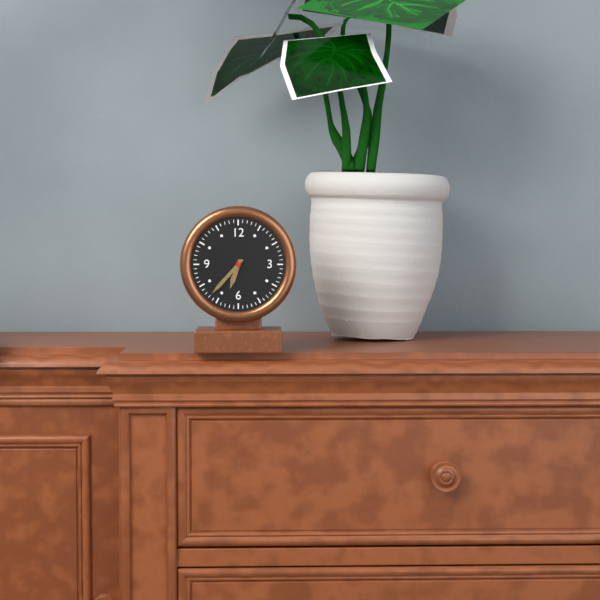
6:37
